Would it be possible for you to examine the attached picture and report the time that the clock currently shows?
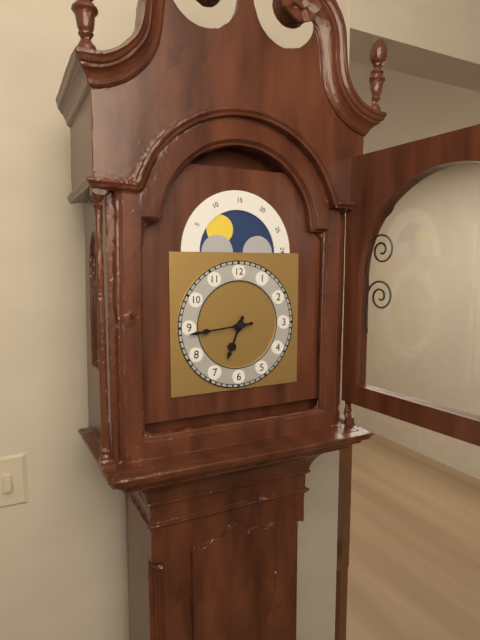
6:44
